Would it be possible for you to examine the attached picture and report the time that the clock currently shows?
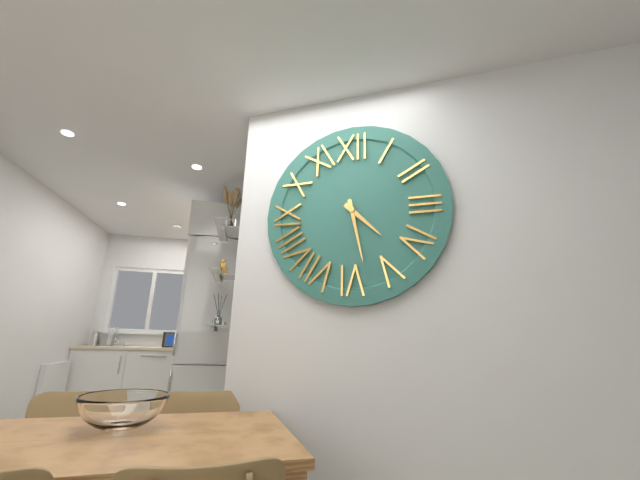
4:28
